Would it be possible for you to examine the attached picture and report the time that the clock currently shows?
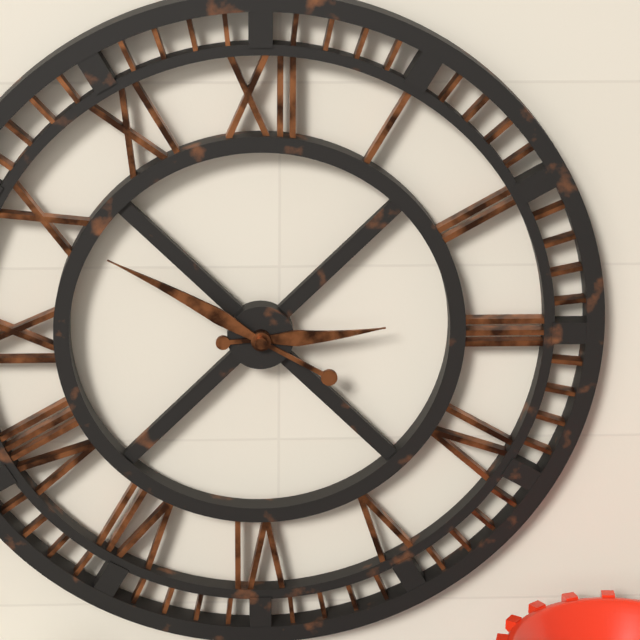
2:50
